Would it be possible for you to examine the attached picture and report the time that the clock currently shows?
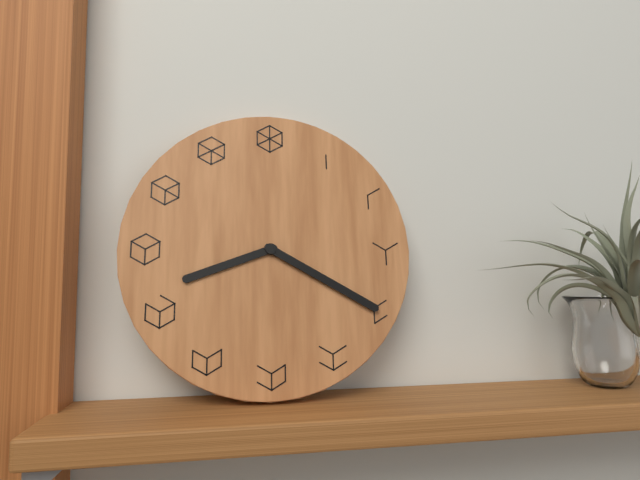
8:20
